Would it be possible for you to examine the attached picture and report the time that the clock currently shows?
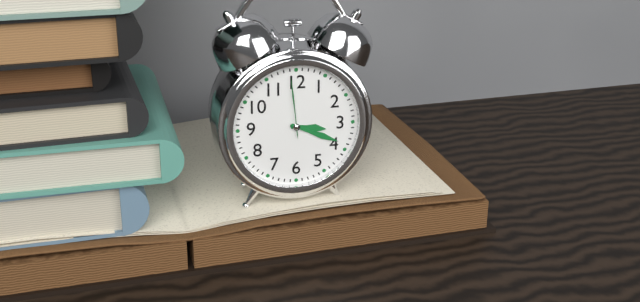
3:19:59
